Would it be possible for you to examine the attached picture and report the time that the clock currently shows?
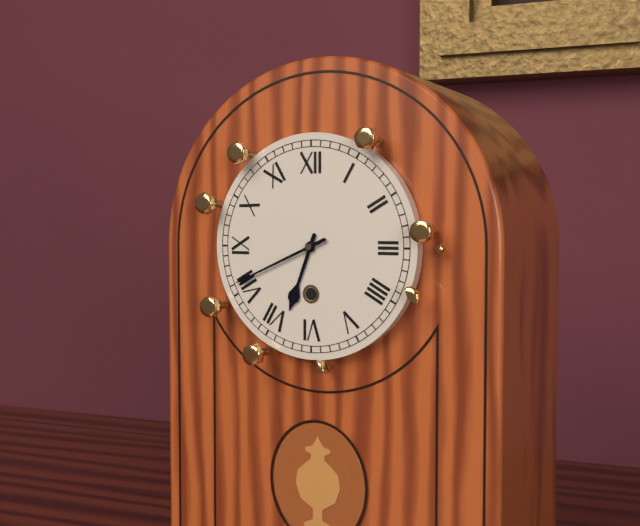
6:41
